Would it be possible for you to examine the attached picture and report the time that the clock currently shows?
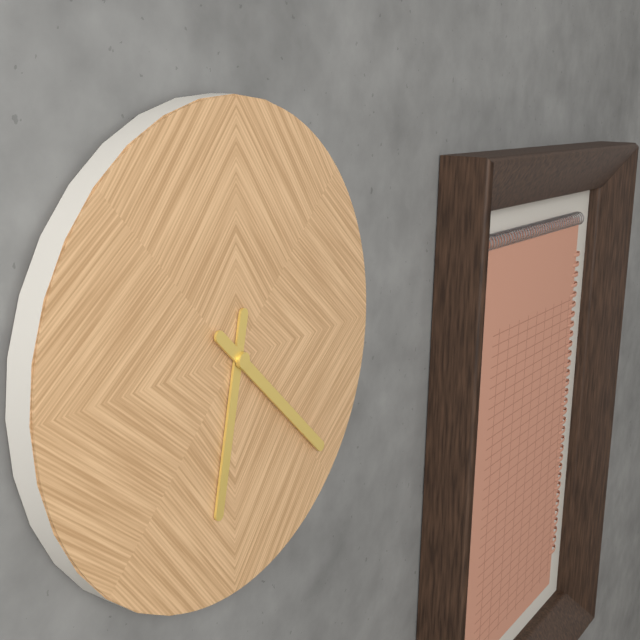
6:22
